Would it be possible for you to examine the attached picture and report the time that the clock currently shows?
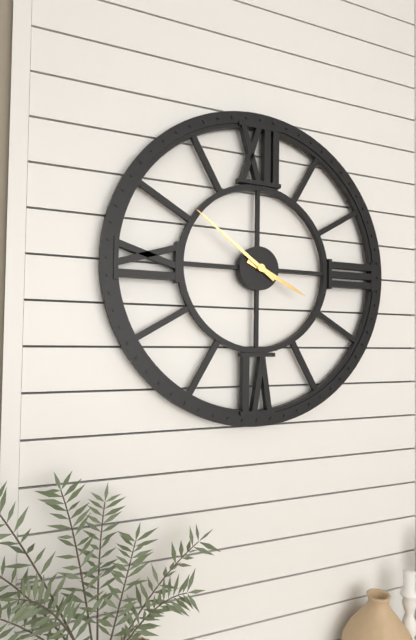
3:51
